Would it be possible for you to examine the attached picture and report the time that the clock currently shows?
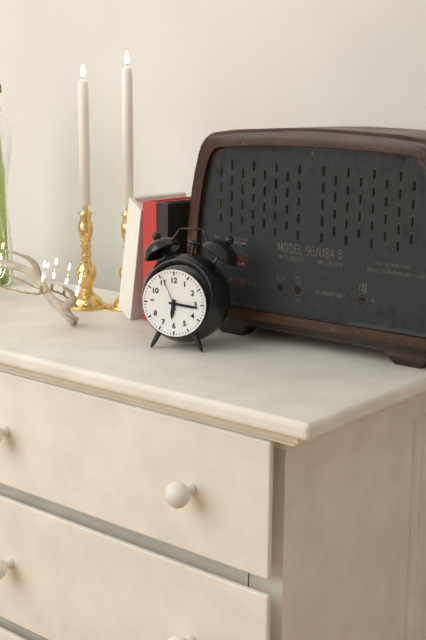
6:16
